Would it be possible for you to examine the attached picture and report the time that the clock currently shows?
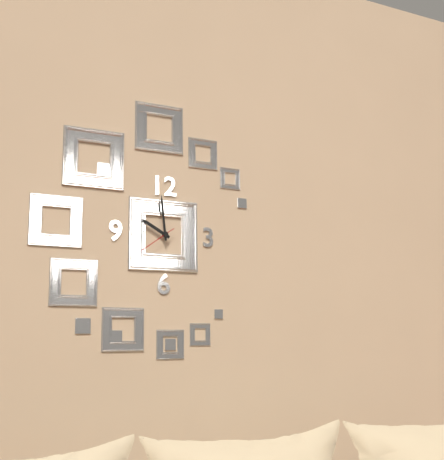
9:59
